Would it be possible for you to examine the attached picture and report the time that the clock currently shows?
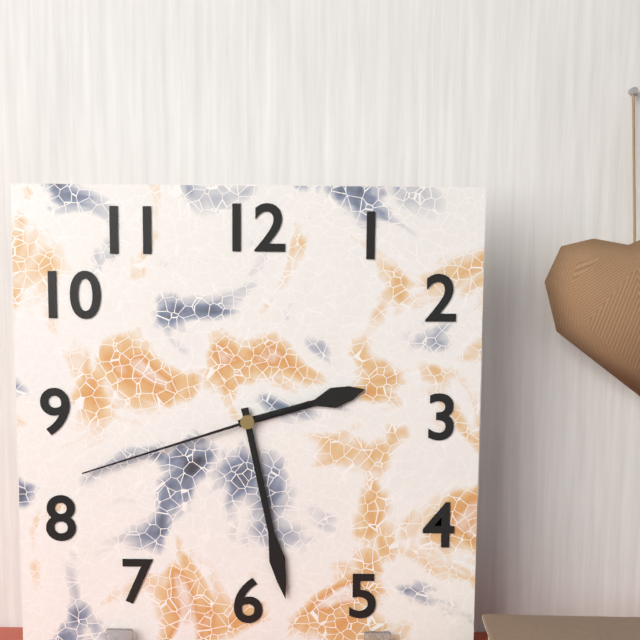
2:28:42
